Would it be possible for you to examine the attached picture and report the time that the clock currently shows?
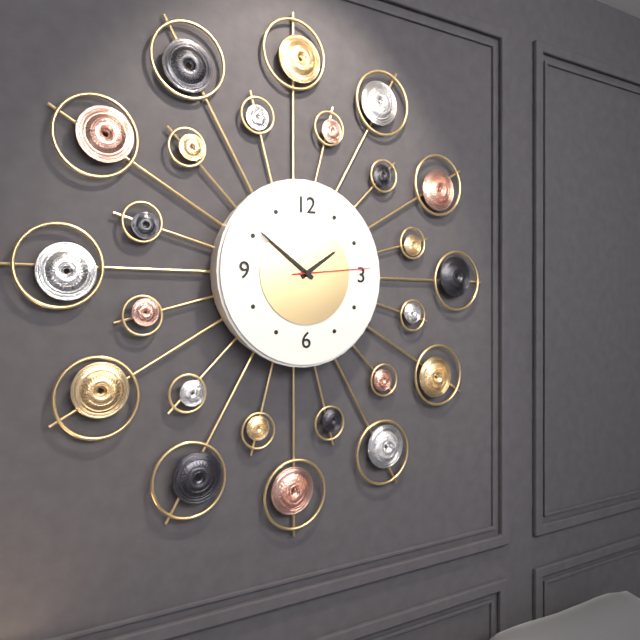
1:51:14
